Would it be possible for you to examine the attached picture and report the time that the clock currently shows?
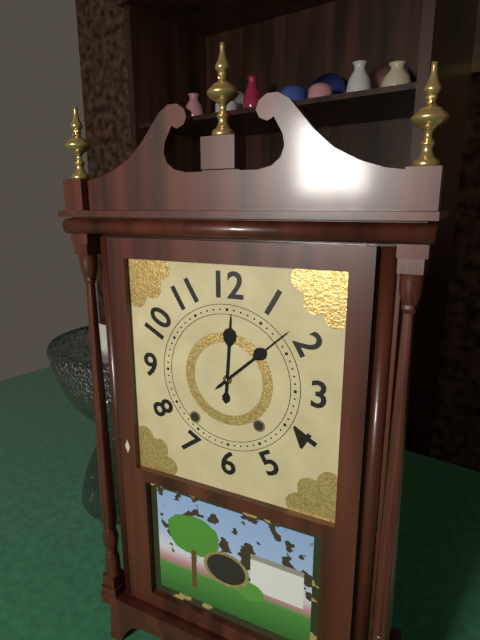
12:08
